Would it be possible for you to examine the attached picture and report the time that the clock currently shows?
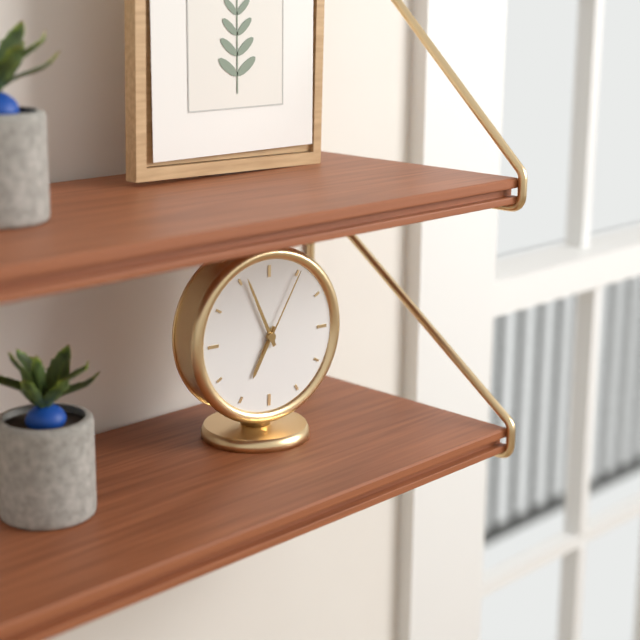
6:56:05
